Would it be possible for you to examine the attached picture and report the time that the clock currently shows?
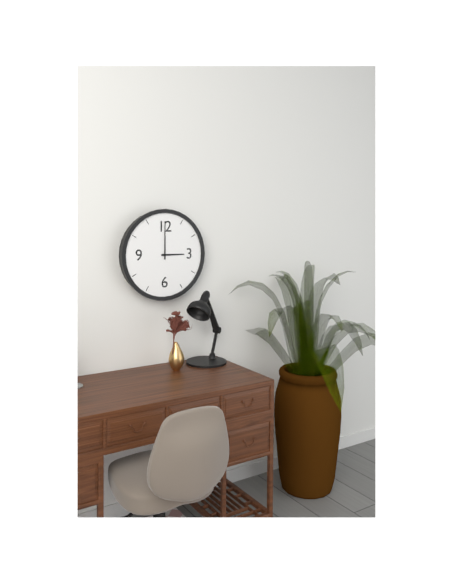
3:00
